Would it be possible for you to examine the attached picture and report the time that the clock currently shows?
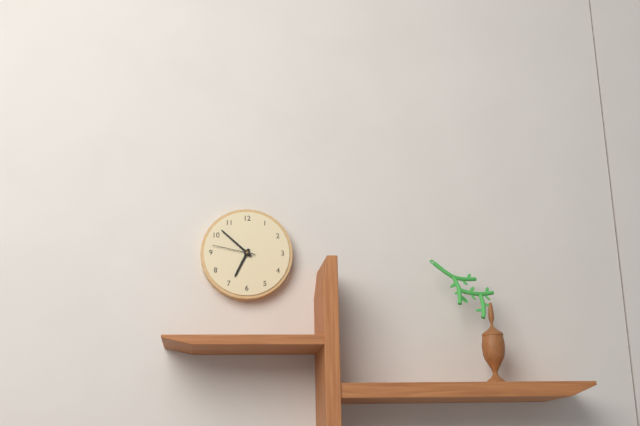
6:52
